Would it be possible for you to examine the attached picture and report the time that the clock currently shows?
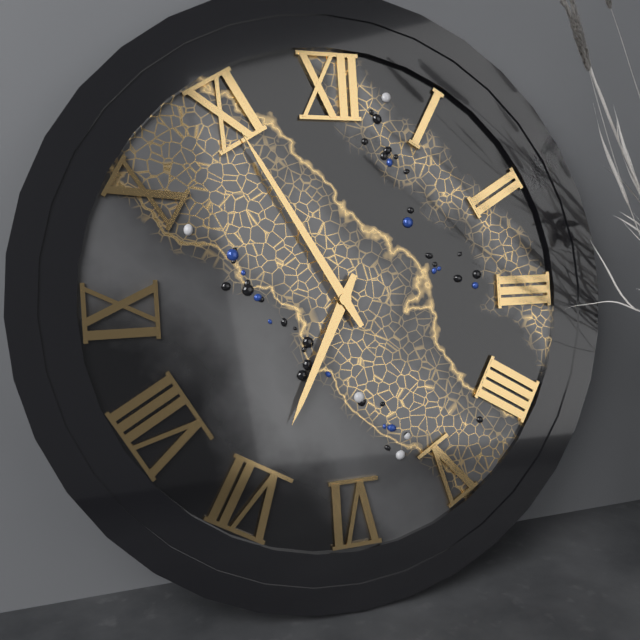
6:55
